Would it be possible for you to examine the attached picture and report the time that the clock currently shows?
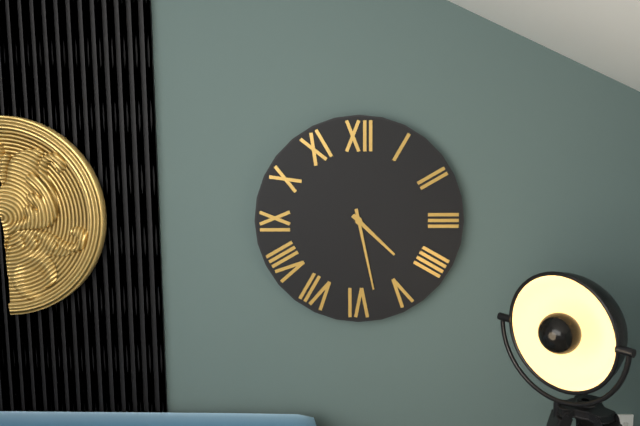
4:28
